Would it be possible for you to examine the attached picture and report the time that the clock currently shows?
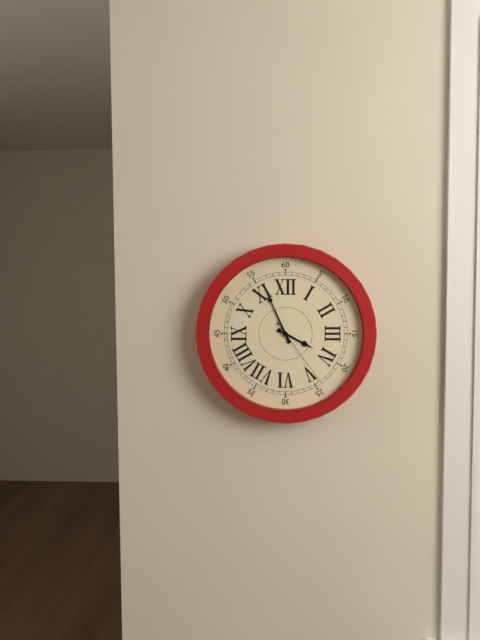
3:56:24
